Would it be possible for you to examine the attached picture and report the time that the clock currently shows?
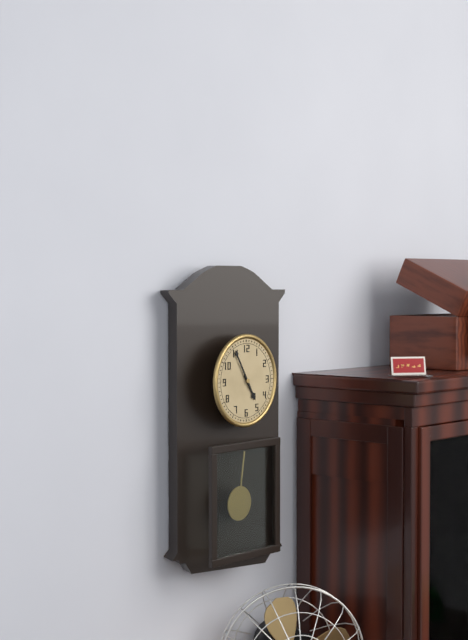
4:55
